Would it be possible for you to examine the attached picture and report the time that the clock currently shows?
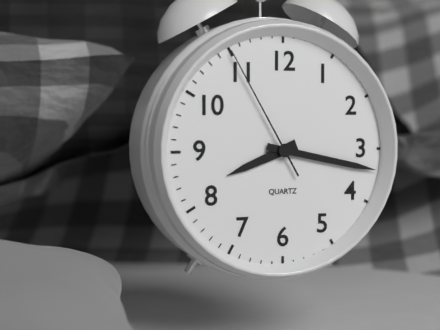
8:17:55
